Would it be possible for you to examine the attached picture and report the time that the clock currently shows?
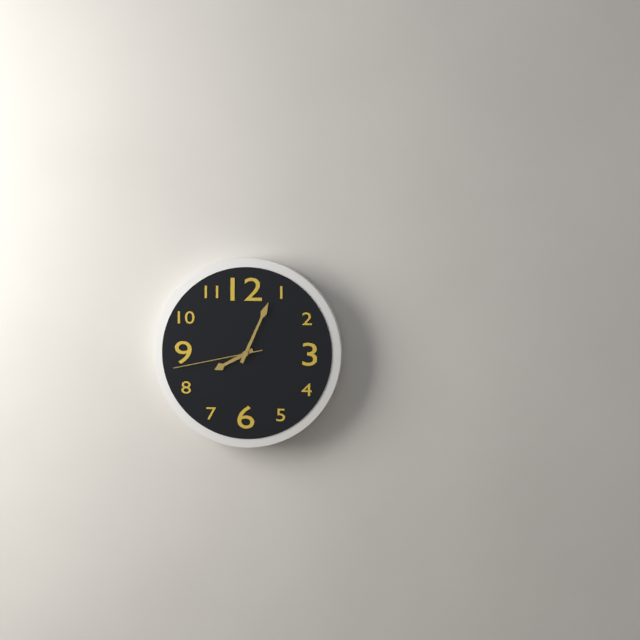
8:04:43
